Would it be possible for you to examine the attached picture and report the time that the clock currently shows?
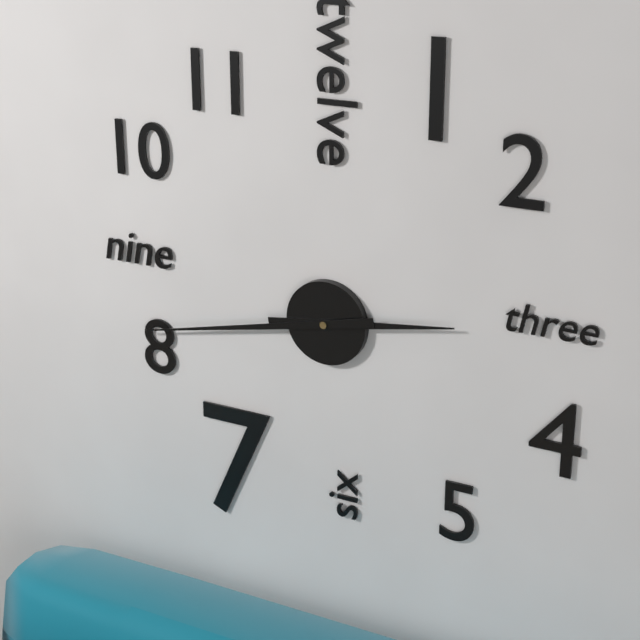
2:43
